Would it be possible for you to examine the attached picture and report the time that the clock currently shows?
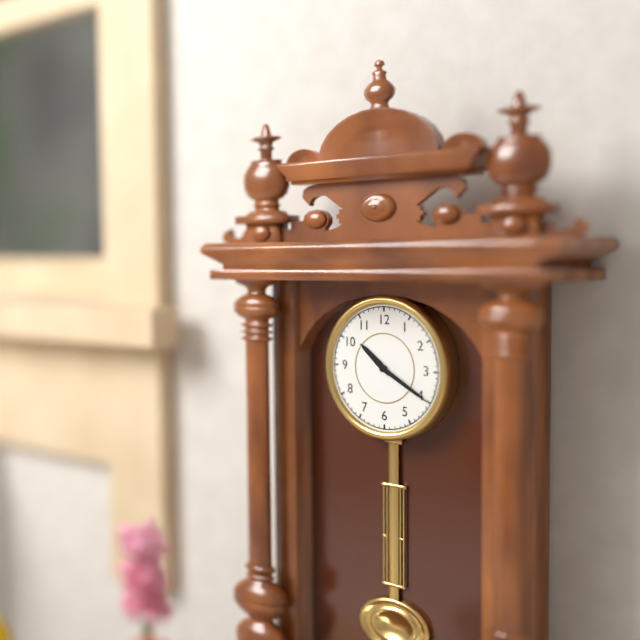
10:20
